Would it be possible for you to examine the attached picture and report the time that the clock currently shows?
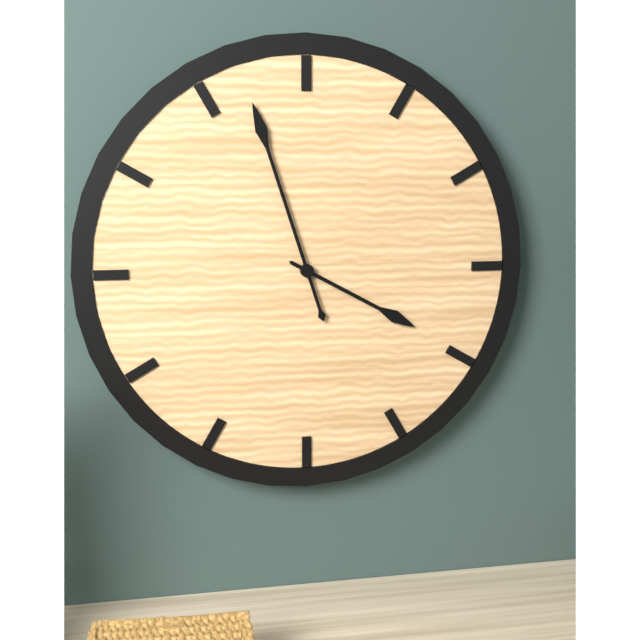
3:57
